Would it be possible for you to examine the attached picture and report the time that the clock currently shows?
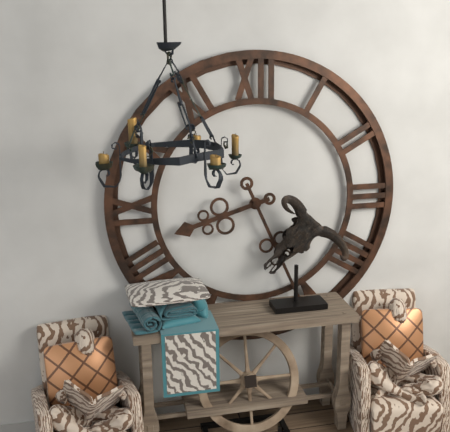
8:26
